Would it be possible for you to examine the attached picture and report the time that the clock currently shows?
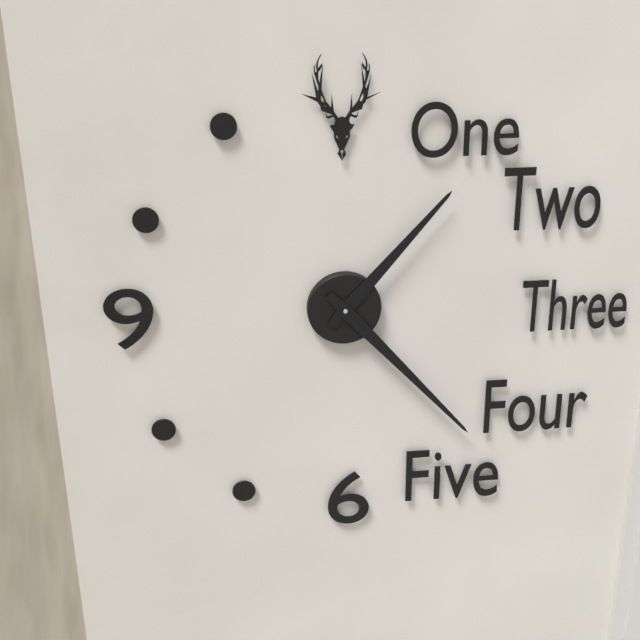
1:23
